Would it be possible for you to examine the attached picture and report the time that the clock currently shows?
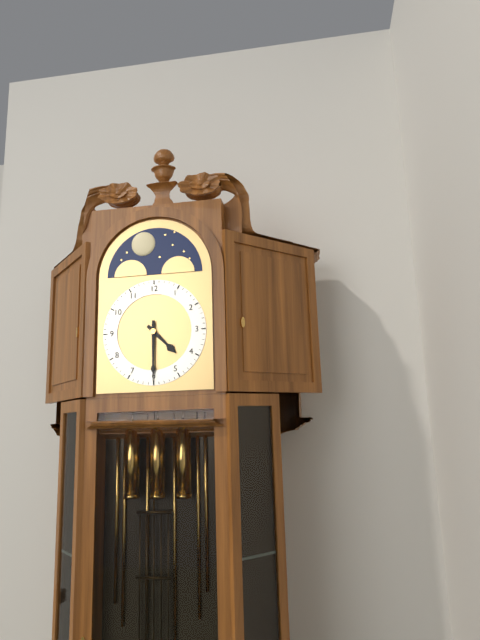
4:30
